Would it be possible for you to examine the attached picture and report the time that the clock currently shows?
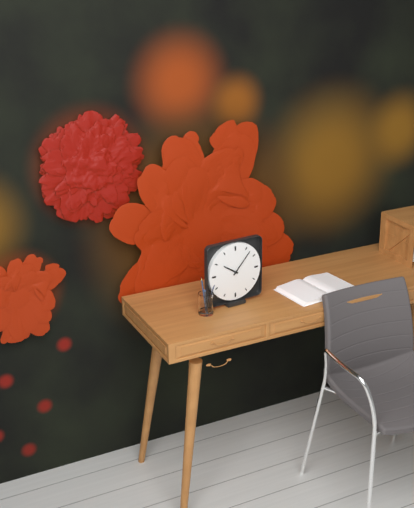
10:07
